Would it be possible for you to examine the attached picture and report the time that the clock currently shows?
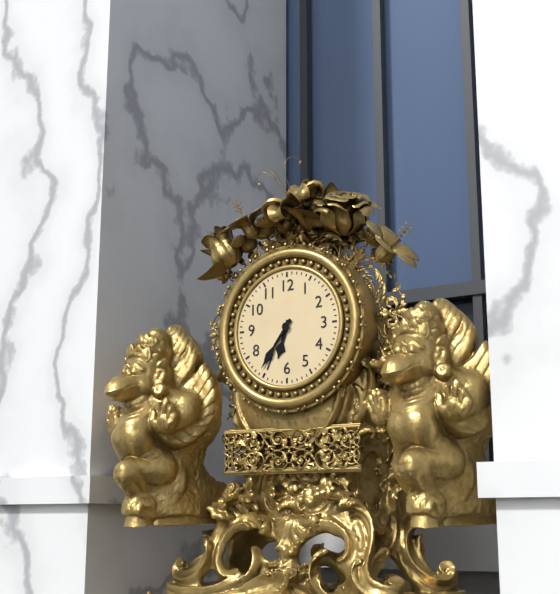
6:36
